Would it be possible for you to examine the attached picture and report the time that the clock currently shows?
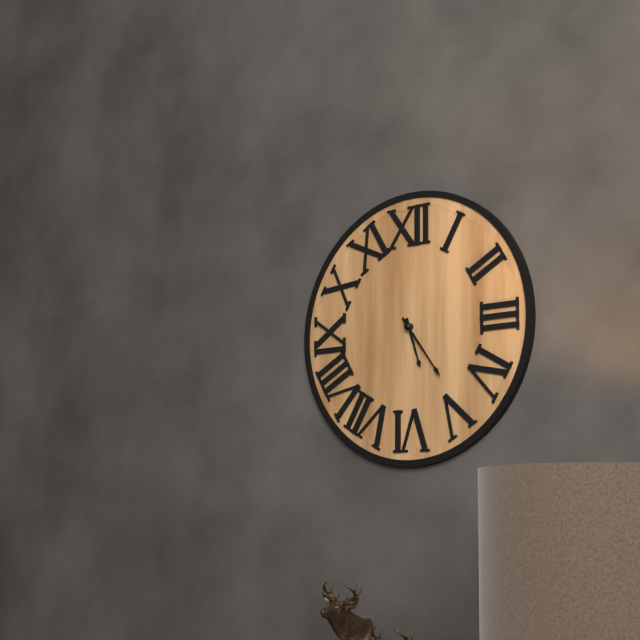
5:24
